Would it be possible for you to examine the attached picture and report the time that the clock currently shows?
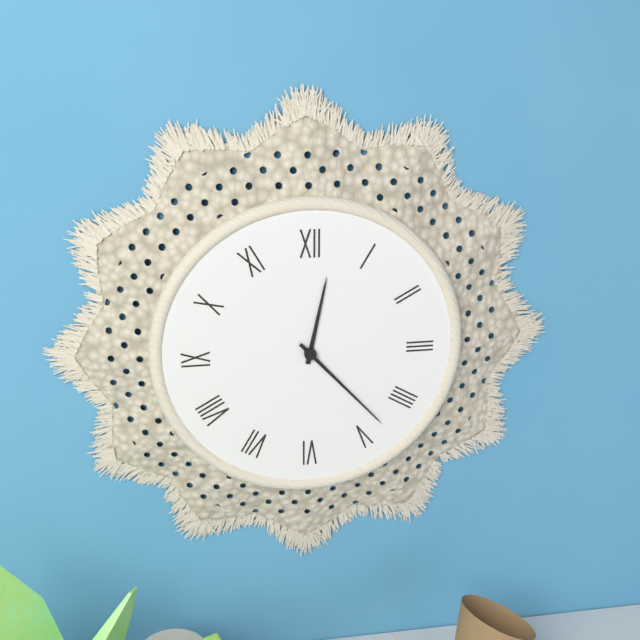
12:23
